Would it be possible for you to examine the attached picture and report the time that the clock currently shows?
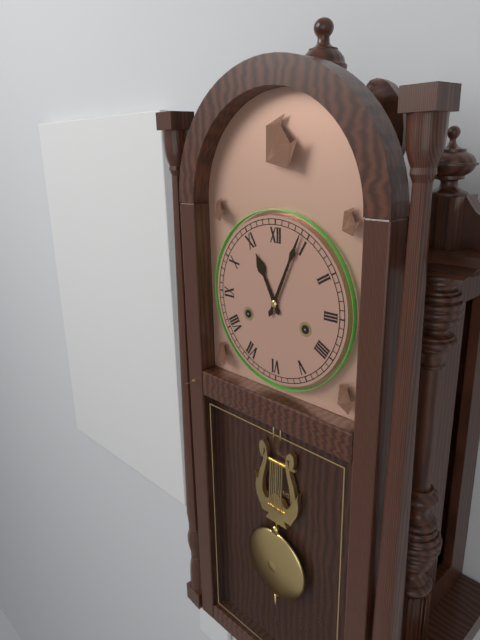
11:04
